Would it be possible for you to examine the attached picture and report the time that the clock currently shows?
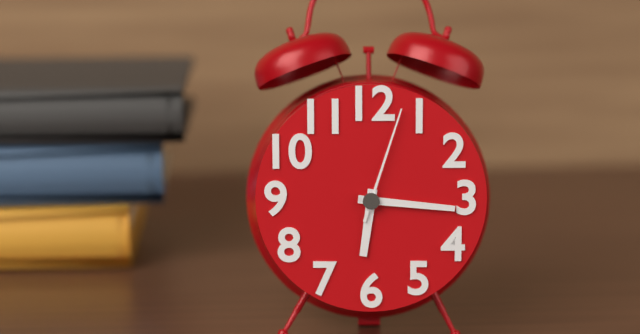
6:16:03
